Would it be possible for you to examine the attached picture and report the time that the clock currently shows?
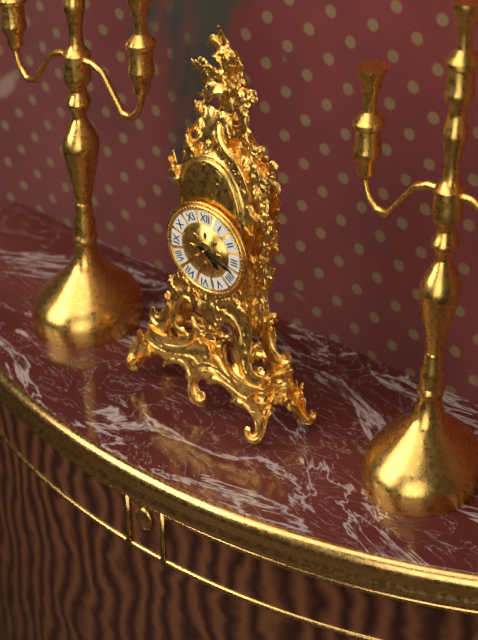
4:18
